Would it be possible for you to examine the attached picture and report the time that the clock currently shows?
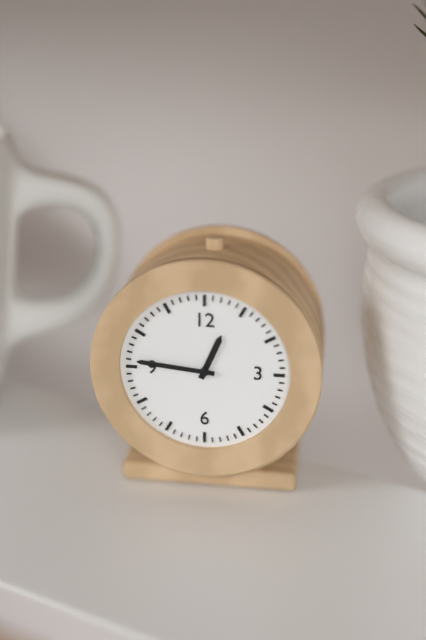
12:46
